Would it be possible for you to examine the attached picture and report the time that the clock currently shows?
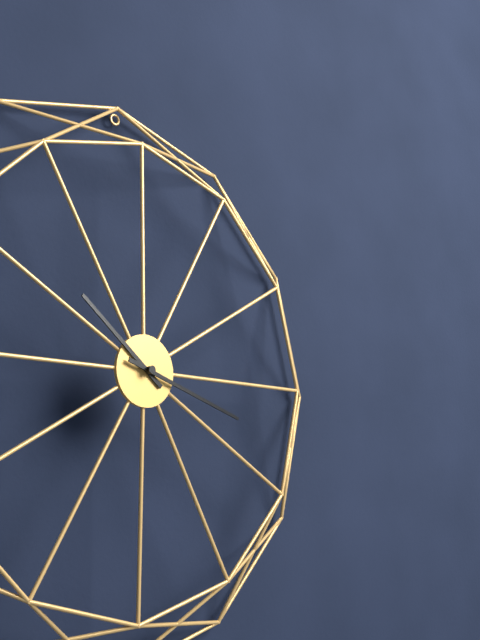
10:18
